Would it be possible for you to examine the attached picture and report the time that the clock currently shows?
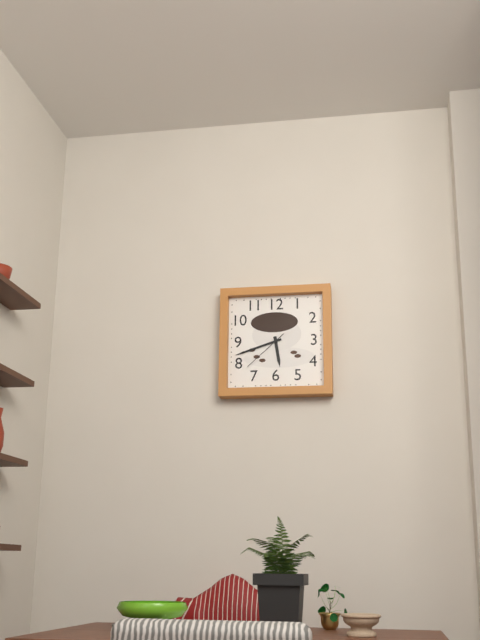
5:42
